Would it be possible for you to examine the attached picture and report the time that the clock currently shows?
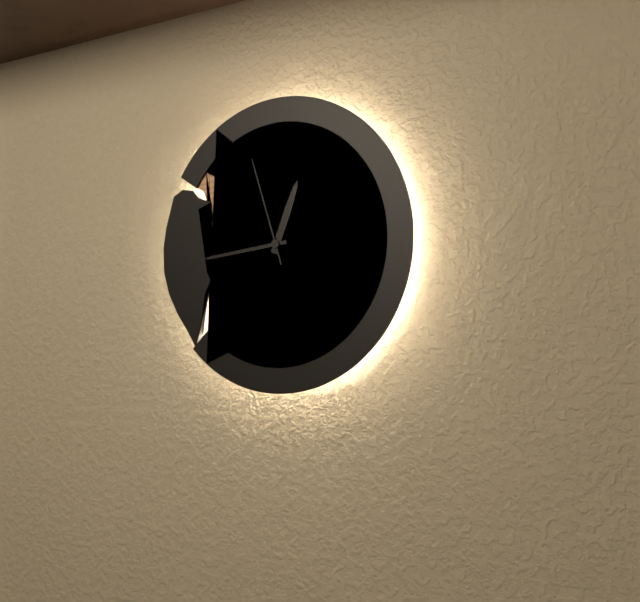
12:44:57
